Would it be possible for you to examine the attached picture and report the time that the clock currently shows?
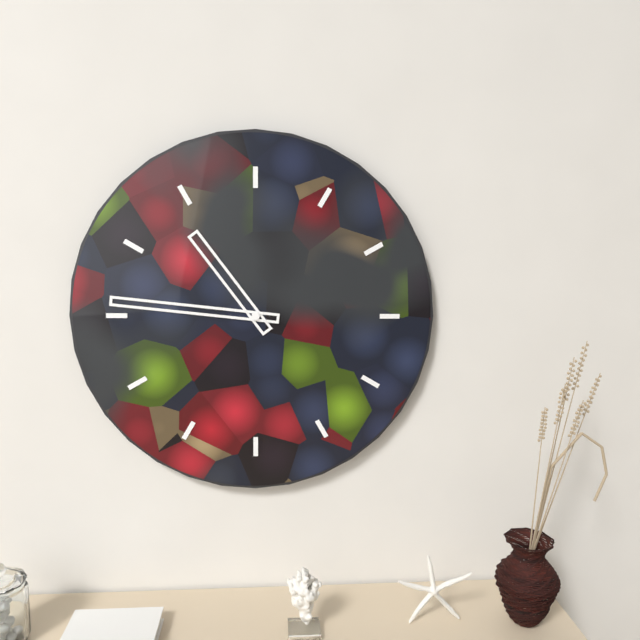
10:46
